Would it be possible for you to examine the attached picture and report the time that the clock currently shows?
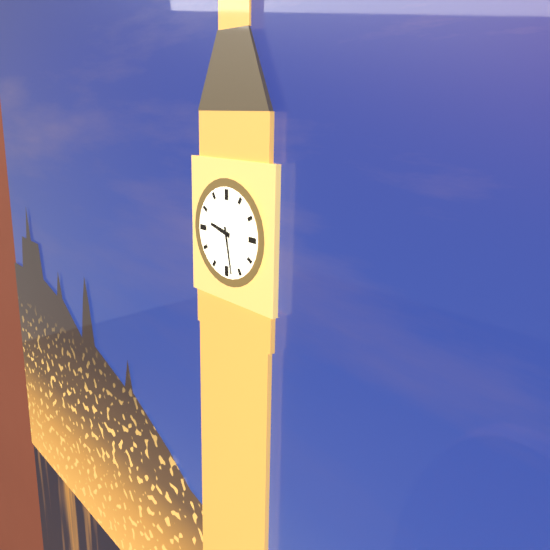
9:28
